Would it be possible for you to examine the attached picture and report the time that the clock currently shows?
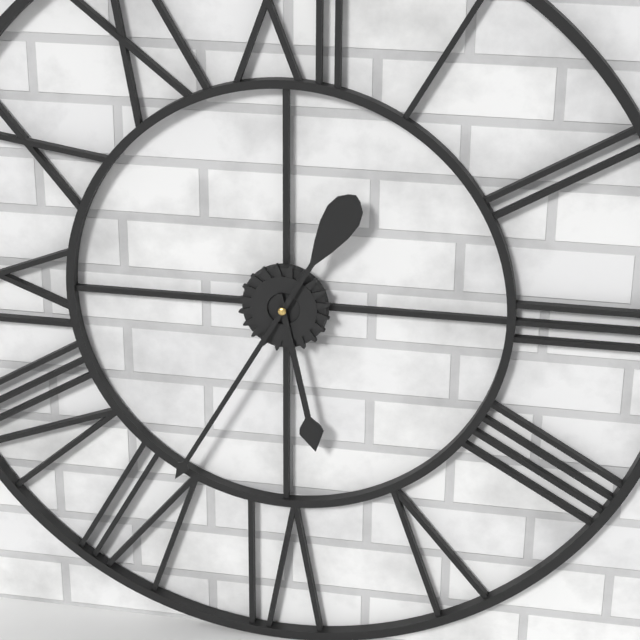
5:35
